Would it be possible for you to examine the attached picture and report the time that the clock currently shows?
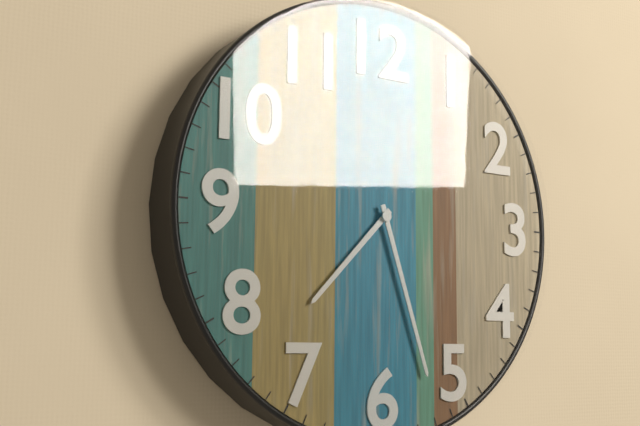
7:27
